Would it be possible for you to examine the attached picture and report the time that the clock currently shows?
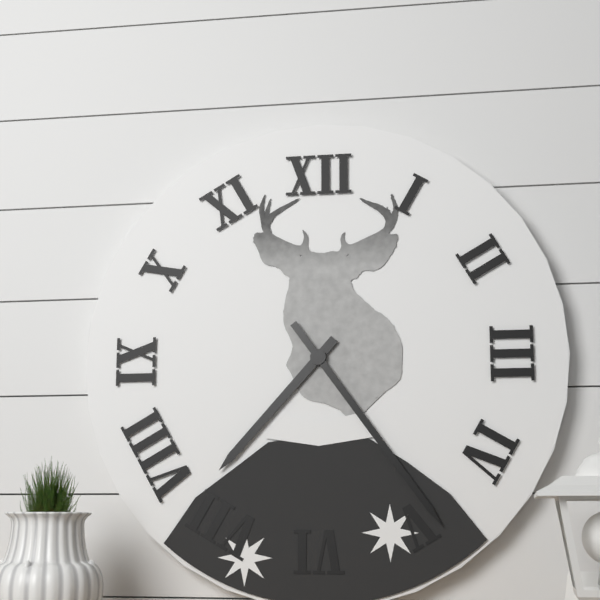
7:24
